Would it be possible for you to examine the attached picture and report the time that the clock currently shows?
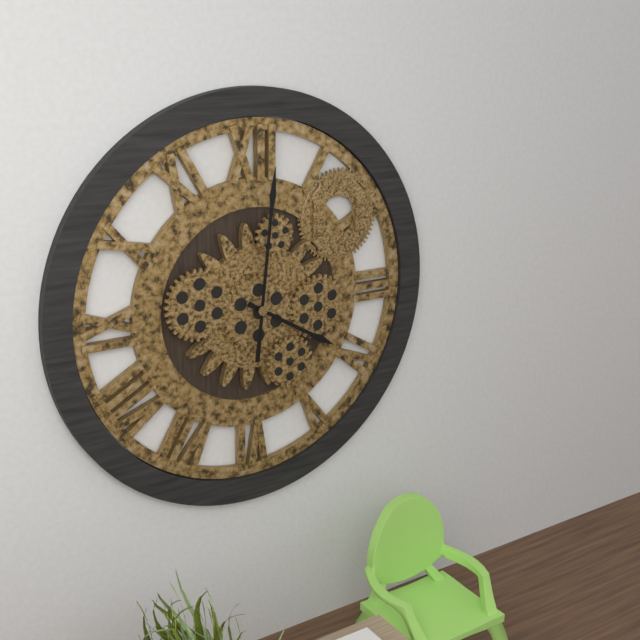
4:01
